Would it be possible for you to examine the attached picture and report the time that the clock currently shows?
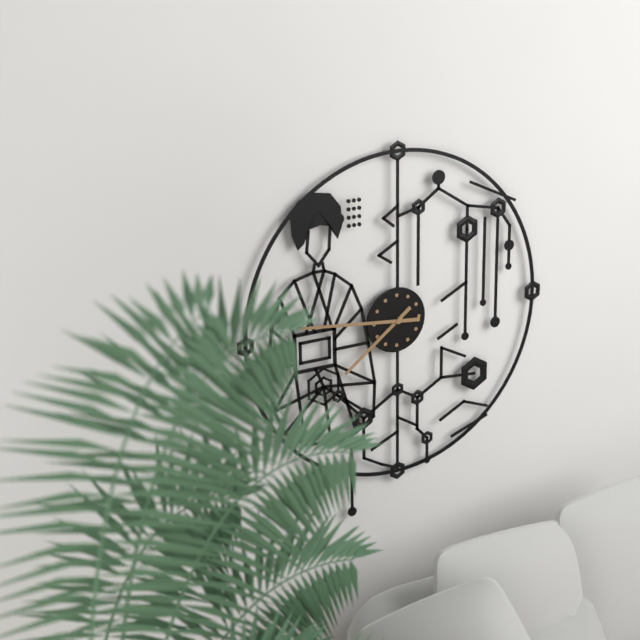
7:46
